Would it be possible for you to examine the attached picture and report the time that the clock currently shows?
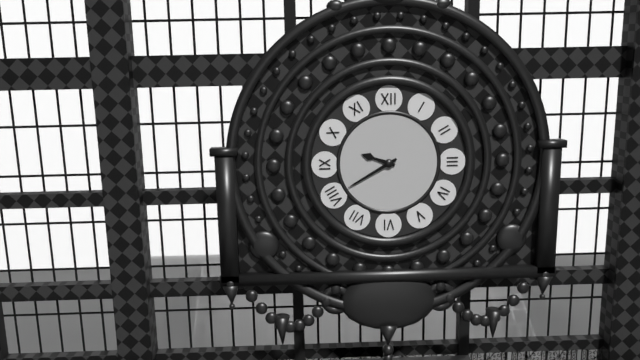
9:40
